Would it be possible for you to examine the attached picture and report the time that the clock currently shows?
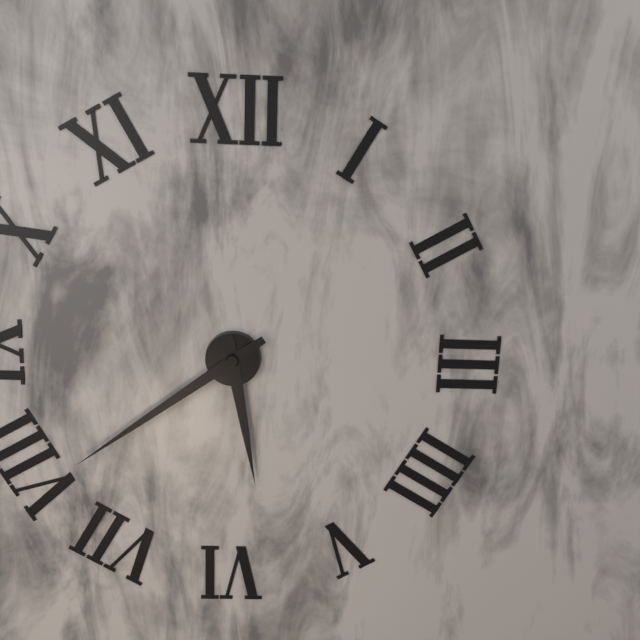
5:39
